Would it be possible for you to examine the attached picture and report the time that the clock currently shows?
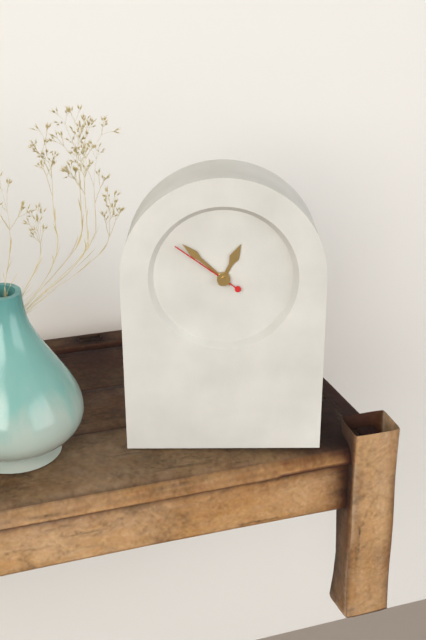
12:52:51
